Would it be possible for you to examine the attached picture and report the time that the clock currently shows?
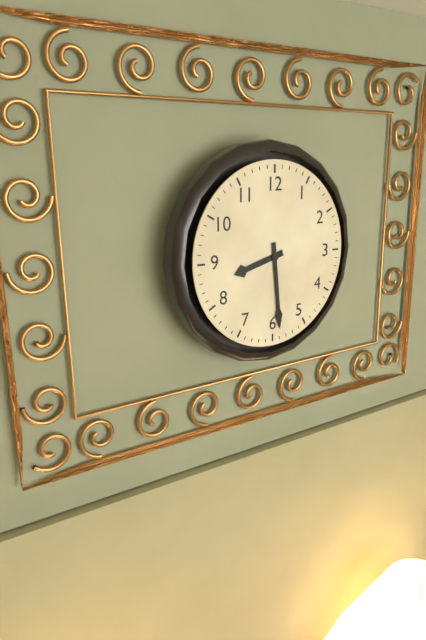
8:29
